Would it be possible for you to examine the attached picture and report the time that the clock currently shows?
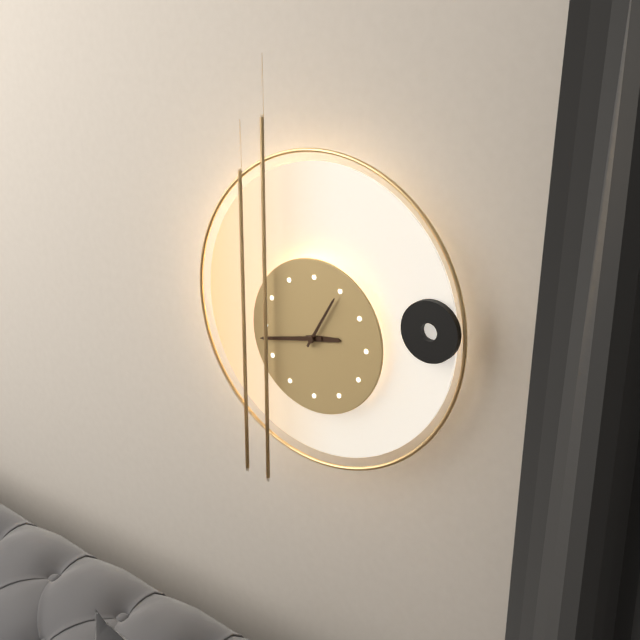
2:43:05
